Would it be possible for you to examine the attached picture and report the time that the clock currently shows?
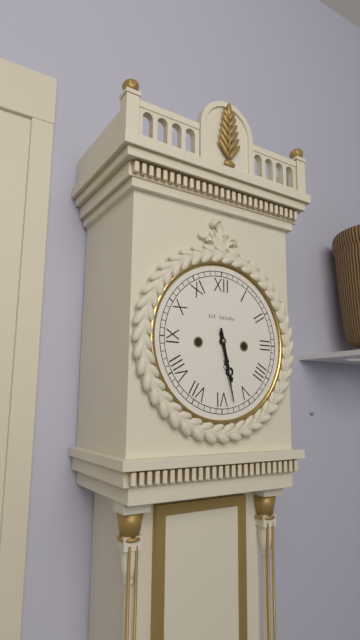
5:28
